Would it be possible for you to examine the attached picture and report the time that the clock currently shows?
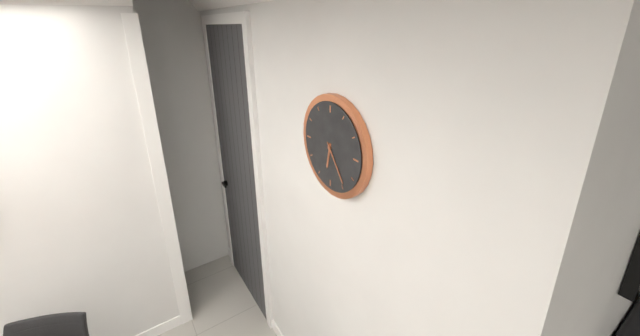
6:24
